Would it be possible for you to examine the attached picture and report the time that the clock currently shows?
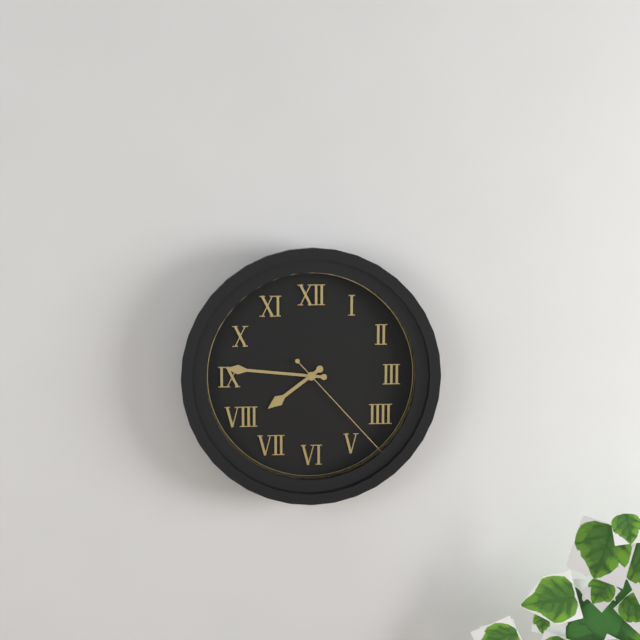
7:46:23
